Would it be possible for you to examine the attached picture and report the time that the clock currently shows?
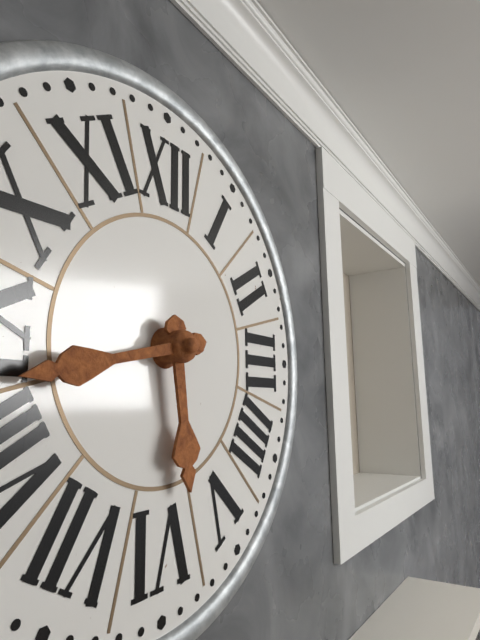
5:43
